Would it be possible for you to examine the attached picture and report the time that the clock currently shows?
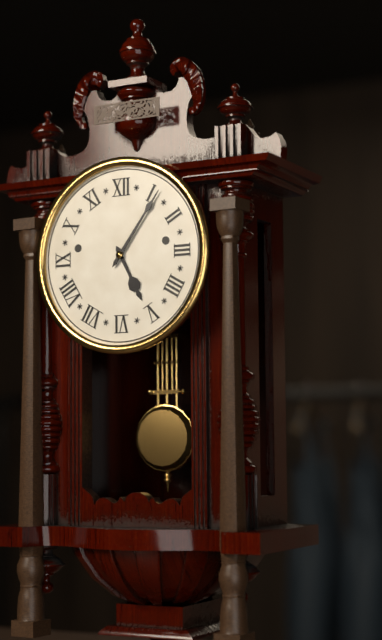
5:06
